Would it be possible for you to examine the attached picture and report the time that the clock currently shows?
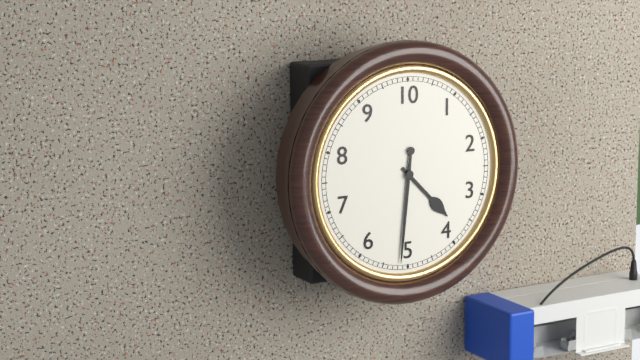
4:31
